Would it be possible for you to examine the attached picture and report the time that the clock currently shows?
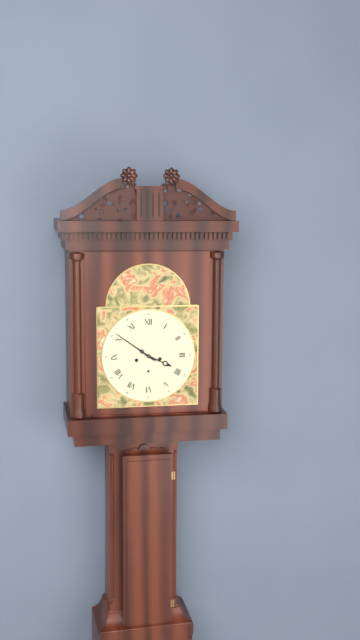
3:51
